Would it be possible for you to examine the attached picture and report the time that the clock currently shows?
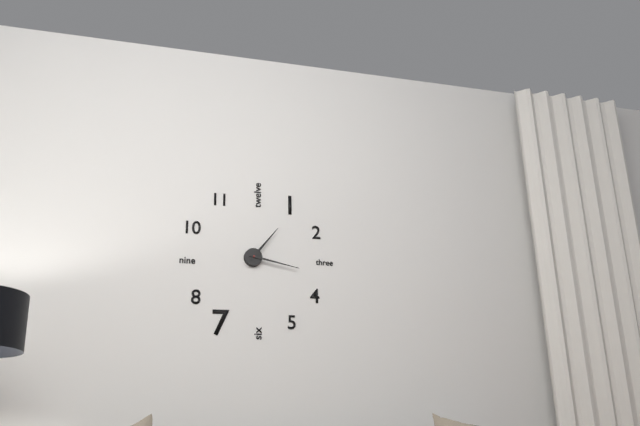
1:17
